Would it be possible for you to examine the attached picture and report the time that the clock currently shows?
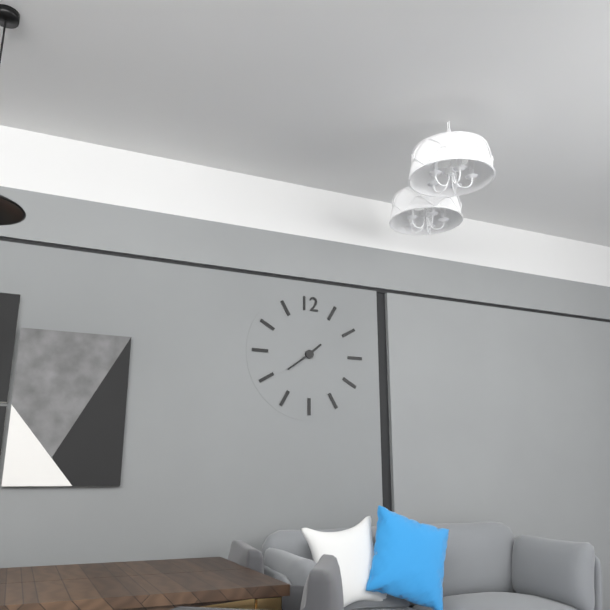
1:39
